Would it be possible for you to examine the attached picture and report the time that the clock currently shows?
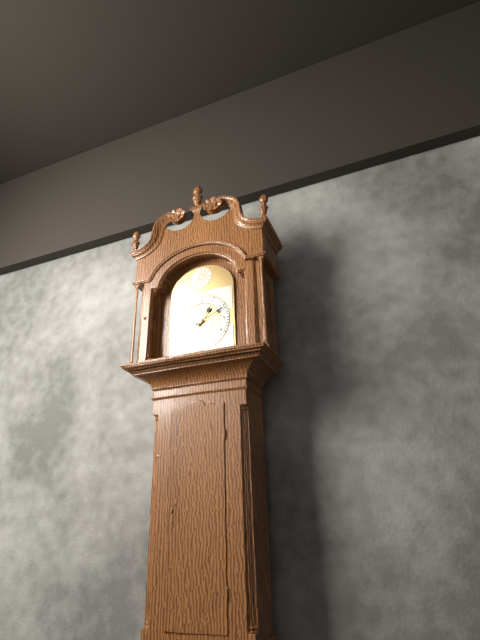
1:11
